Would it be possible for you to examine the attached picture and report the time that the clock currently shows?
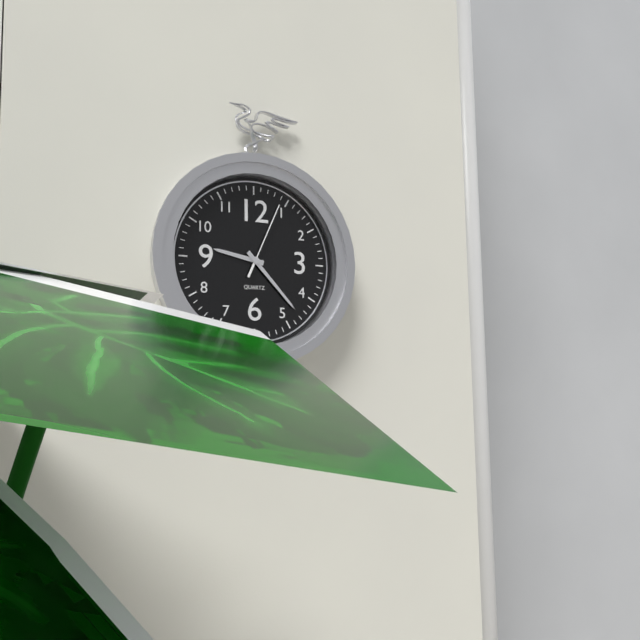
9:23:04
